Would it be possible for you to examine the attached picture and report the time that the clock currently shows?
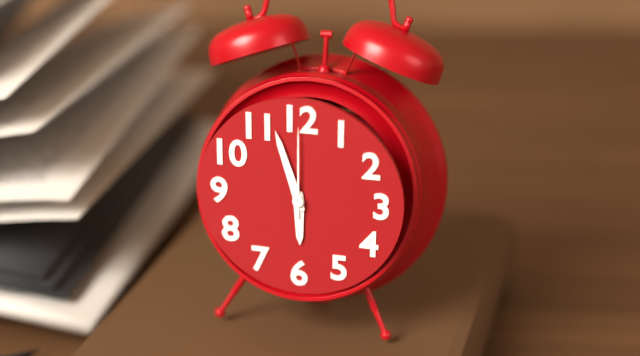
5:57:00
